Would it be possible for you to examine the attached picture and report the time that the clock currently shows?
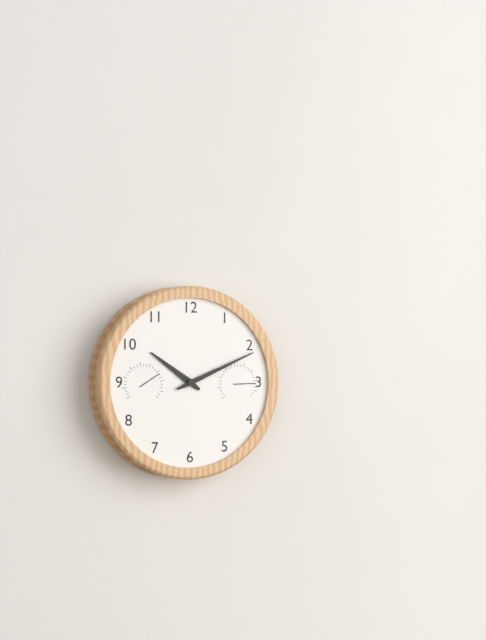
10:11
